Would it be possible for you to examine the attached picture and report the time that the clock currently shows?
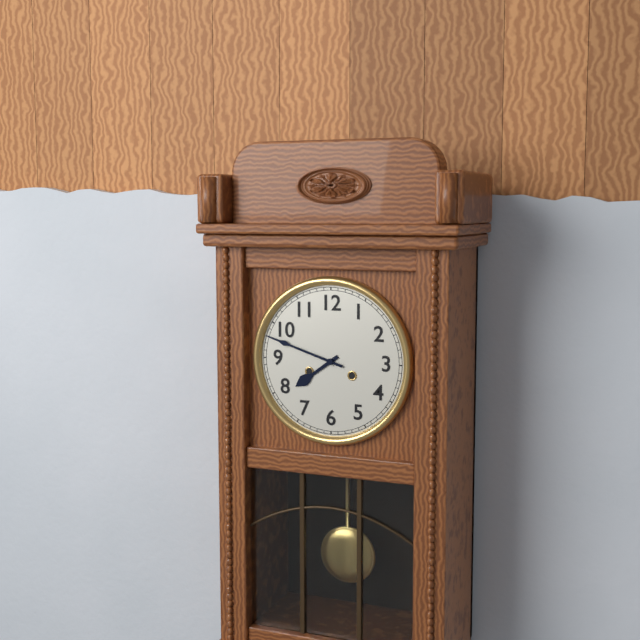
7:48
